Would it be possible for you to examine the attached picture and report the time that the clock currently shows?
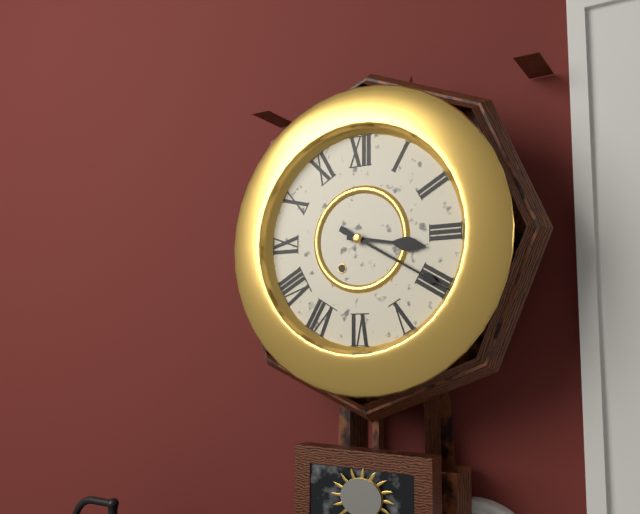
3:20
